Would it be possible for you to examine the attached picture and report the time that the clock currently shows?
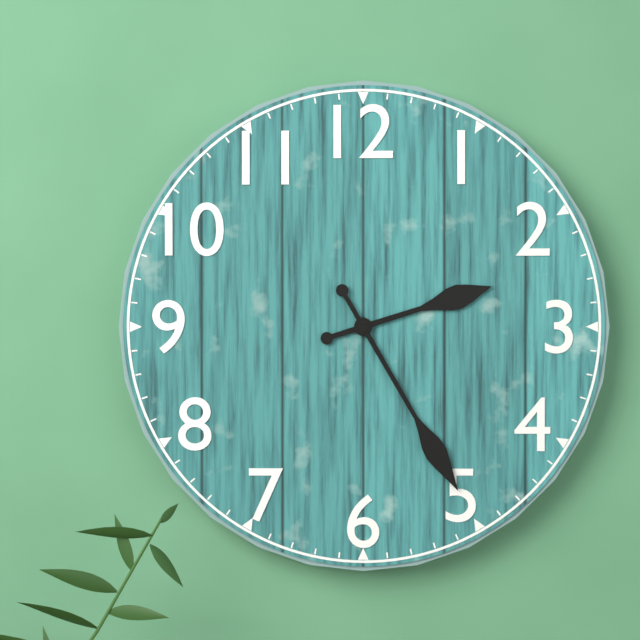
2:25
